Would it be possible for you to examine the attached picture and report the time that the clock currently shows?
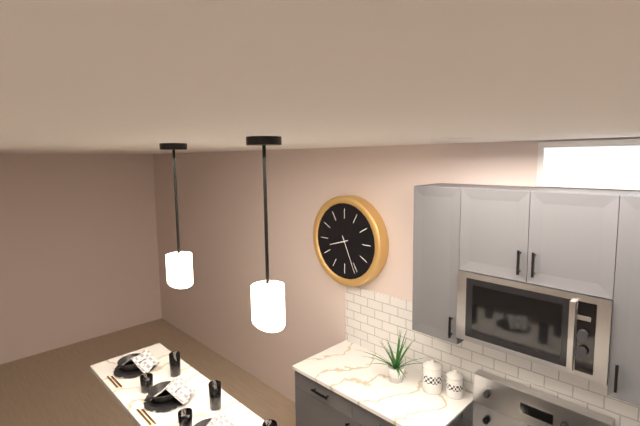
8:26
